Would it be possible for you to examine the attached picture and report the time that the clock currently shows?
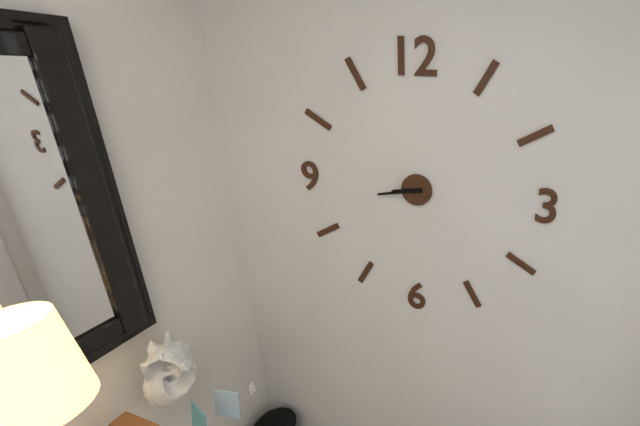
8:43
